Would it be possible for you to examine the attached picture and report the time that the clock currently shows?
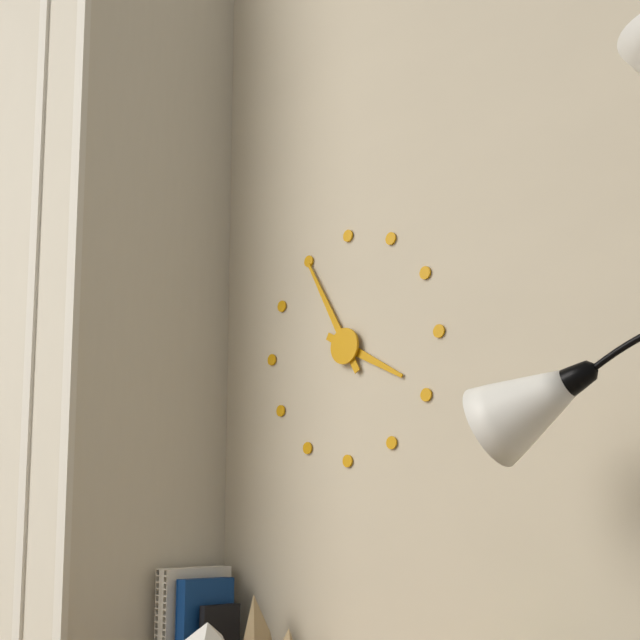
3:55
